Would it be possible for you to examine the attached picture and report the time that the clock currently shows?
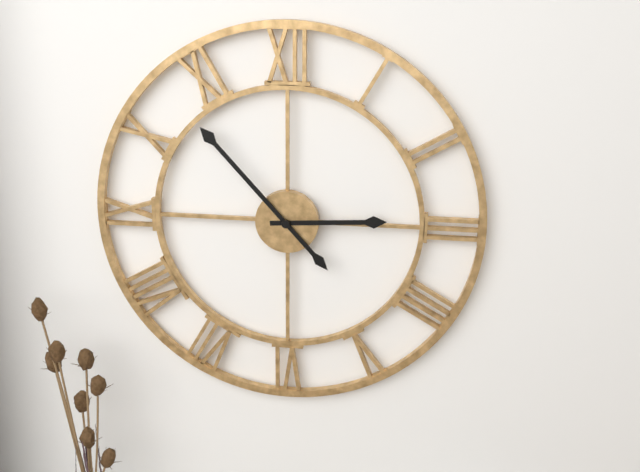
2:53
